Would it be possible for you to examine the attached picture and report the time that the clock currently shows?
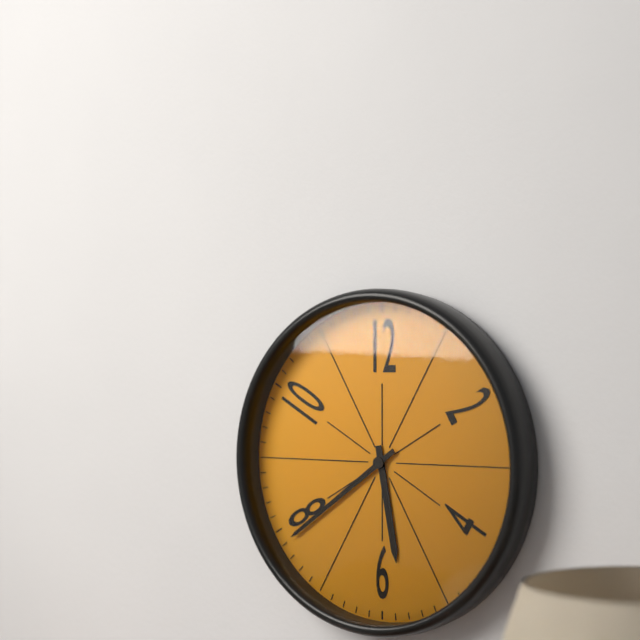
5:39
